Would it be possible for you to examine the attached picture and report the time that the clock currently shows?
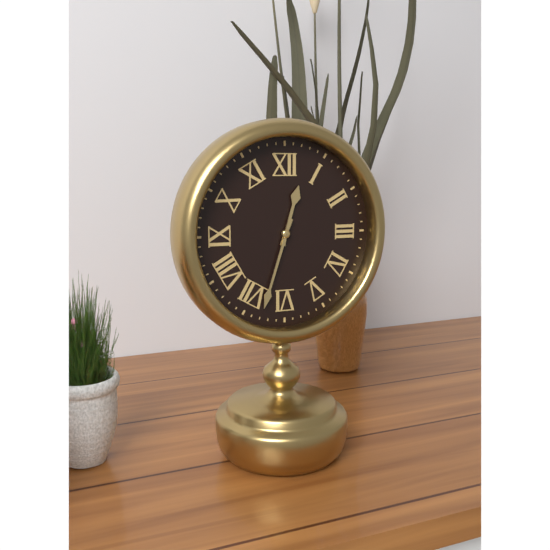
12:33
